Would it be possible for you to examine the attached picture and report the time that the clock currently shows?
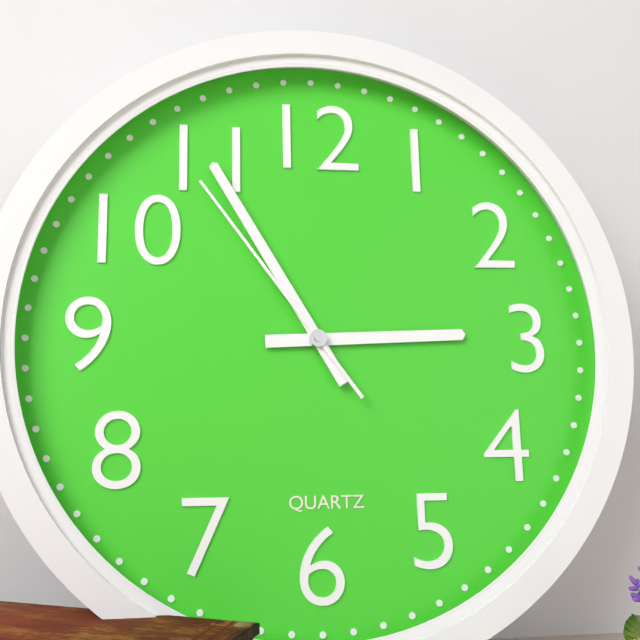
2:55:54
